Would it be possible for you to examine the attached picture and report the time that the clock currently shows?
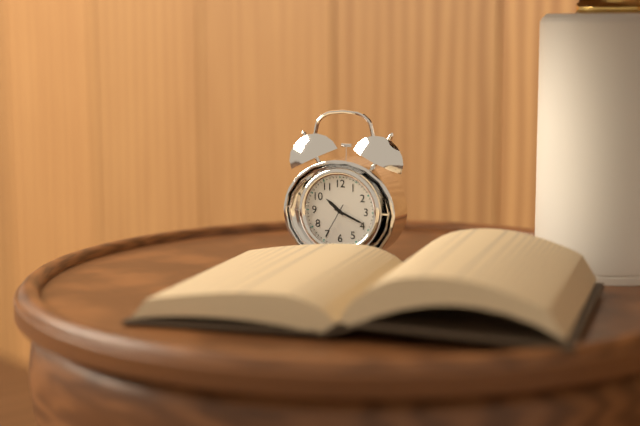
10:19
